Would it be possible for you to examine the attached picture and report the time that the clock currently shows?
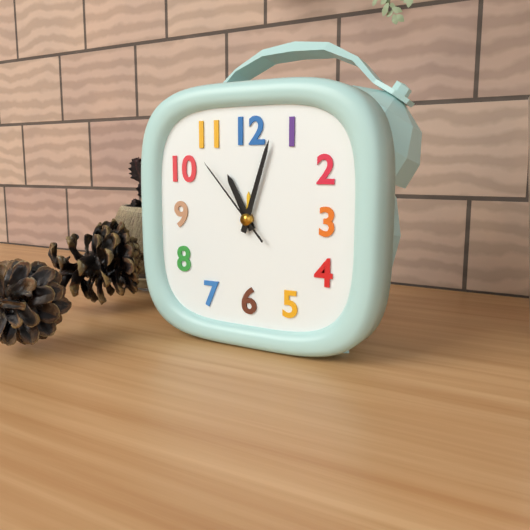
11:03:53
